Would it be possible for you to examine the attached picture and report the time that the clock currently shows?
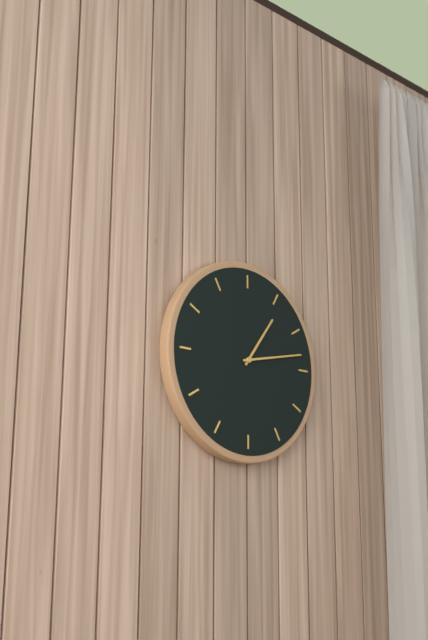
1:13
